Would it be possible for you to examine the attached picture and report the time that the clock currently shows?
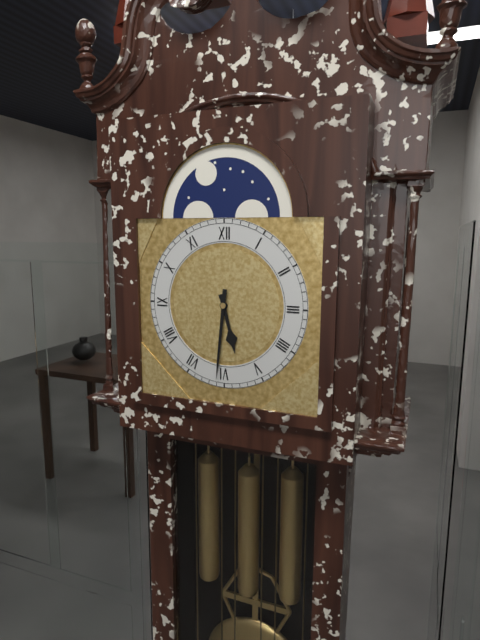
5:31
